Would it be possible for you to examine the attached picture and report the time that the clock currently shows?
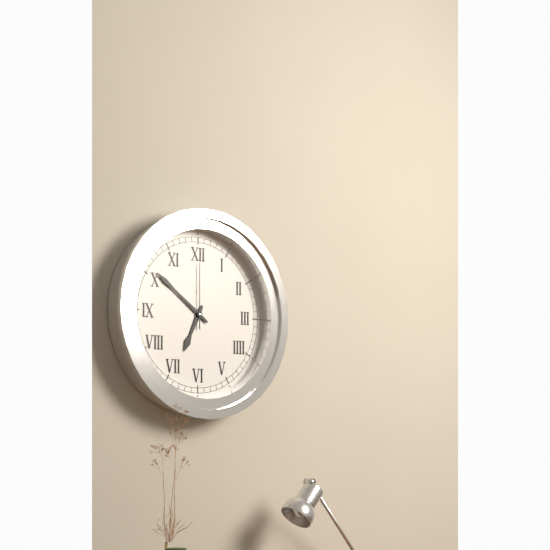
6:51:00
